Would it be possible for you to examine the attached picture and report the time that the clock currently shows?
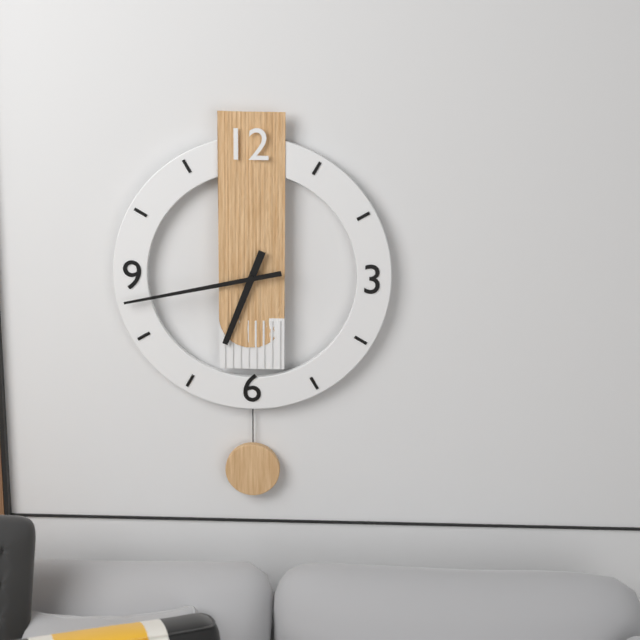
6:43
